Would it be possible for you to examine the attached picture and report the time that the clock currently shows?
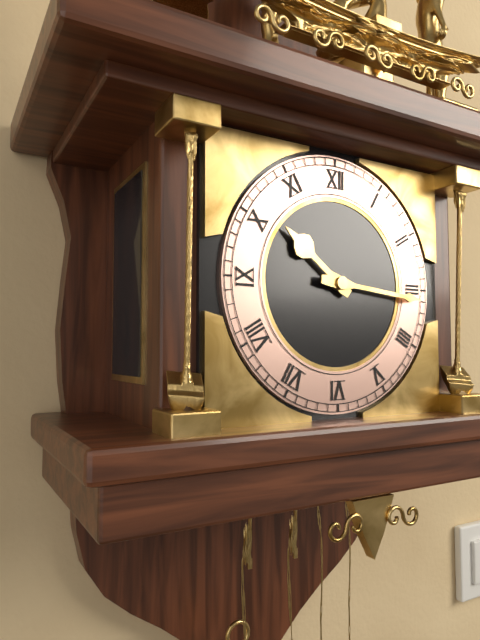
10:16
